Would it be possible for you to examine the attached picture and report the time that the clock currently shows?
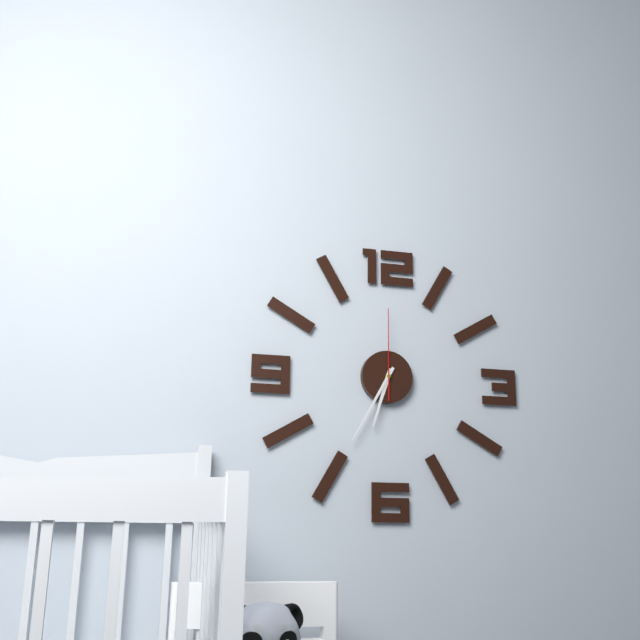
6:35:00
